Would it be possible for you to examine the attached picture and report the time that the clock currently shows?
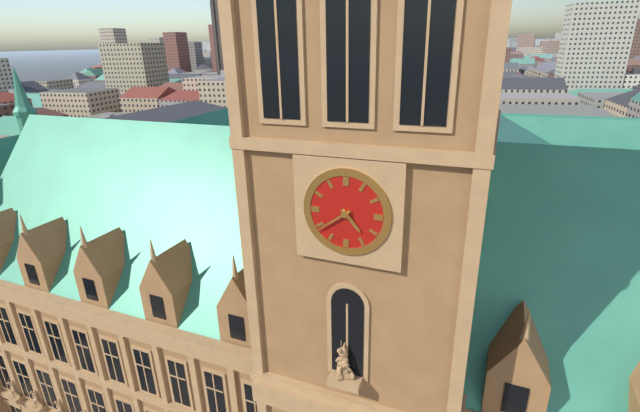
4:39
